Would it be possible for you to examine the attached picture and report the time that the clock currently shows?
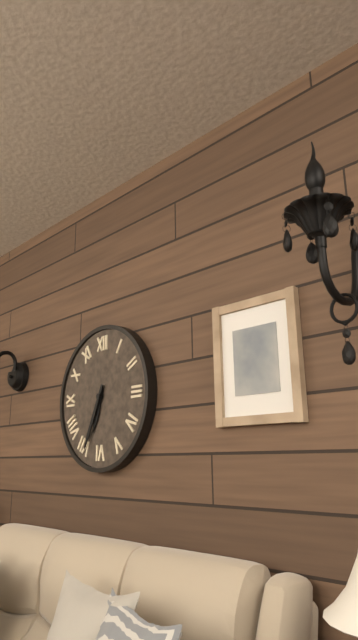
6:34
